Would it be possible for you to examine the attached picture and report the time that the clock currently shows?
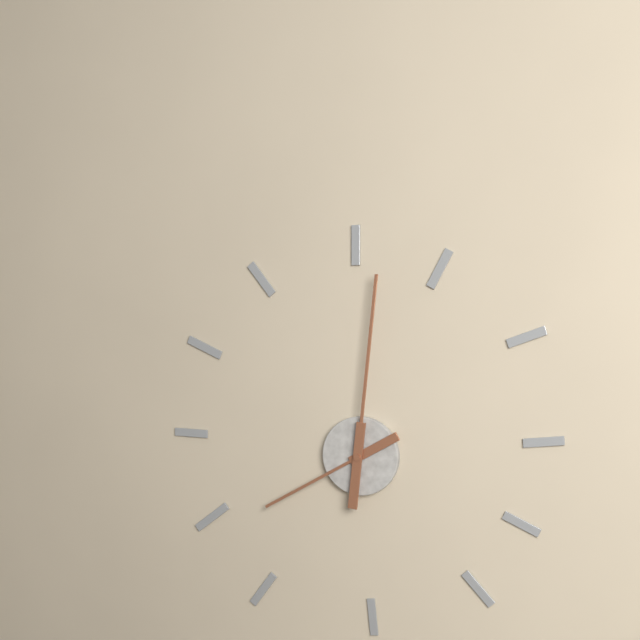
8:01
